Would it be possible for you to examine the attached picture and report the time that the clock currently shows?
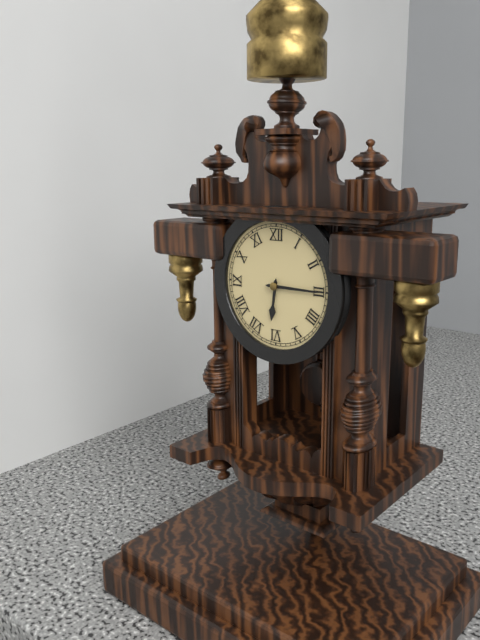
6:15
